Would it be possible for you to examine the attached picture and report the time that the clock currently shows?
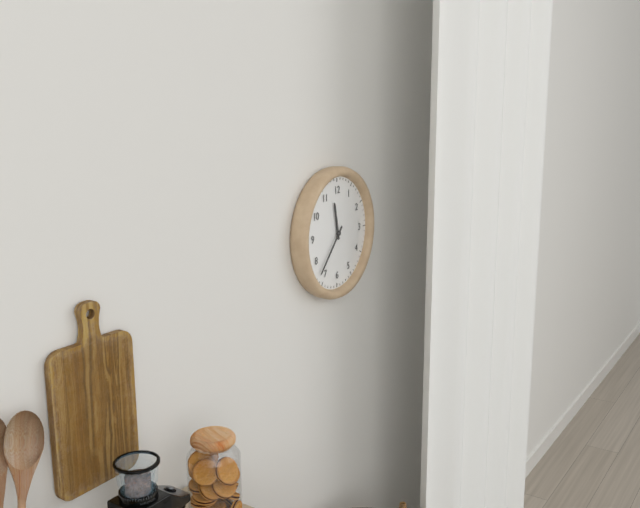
11:37
